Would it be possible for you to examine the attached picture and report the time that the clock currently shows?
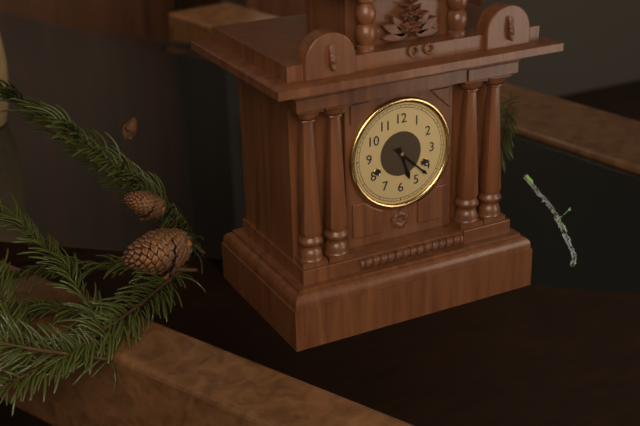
5:22
